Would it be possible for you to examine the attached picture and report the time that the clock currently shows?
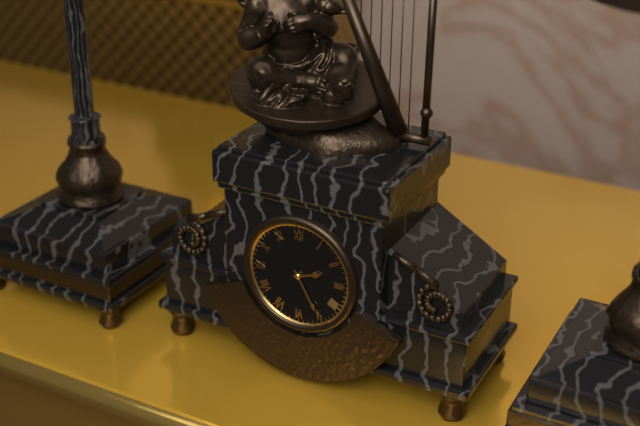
2:25
